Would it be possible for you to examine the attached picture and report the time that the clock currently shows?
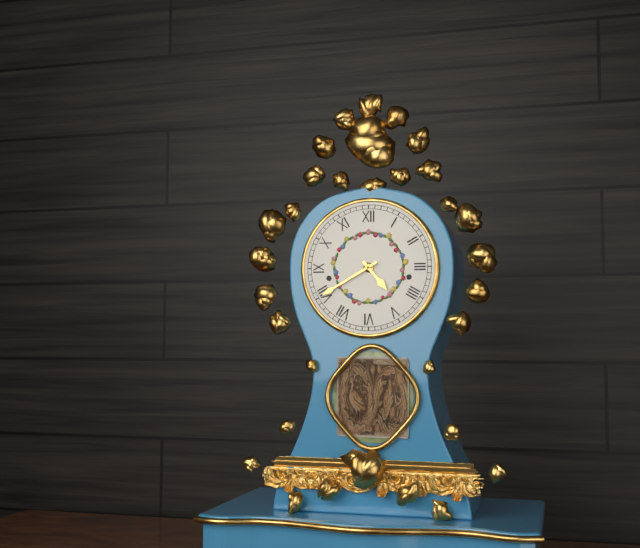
4:40
